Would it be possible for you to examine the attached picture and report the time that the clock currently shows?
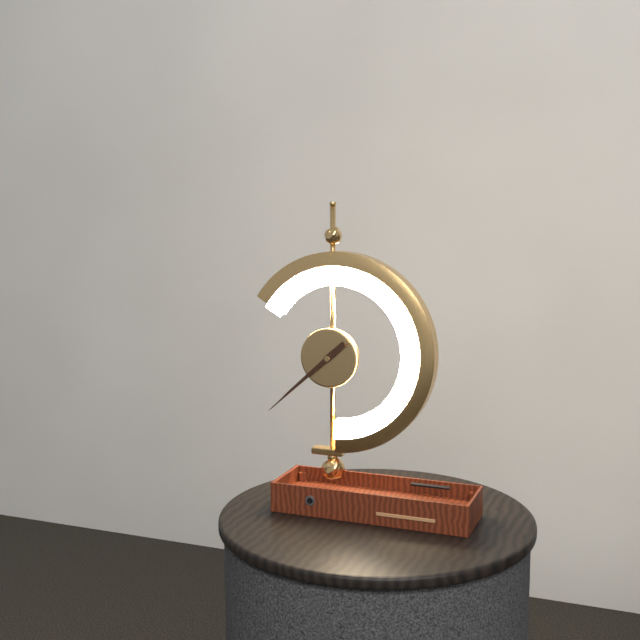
7:38
